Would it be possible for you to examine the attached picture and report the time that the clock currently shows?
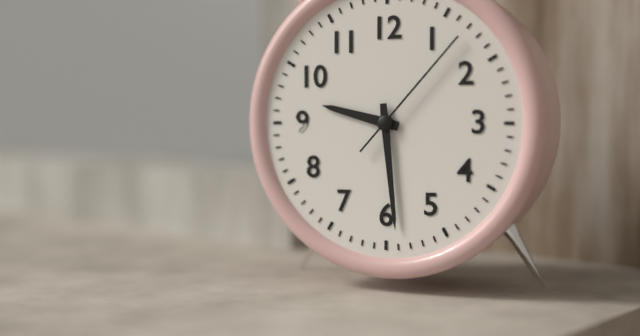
9:29:07
